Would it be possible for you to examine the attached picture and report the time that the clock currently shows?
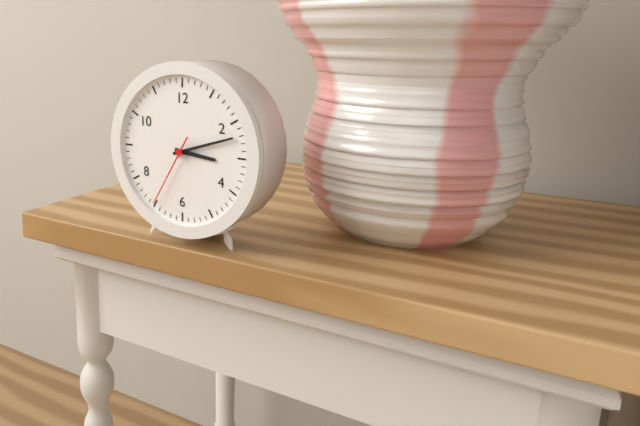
3:12:35
